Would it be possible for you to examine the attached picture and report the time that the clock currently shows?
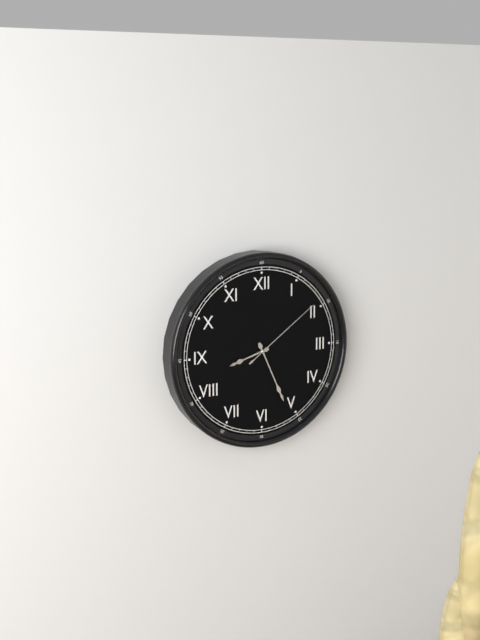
8:26:09
